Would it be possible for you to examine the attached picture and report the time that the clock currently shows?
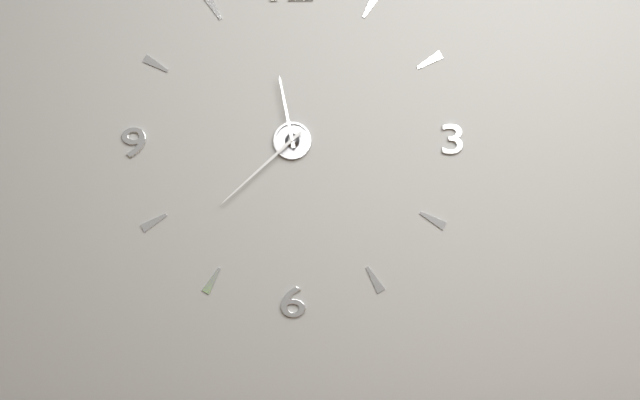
11:38
